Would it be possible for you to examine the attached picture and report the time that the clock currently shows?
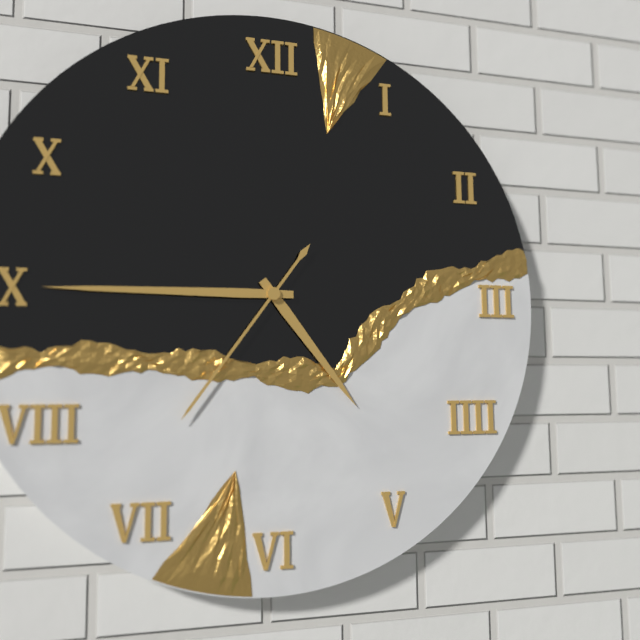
4:45:36
